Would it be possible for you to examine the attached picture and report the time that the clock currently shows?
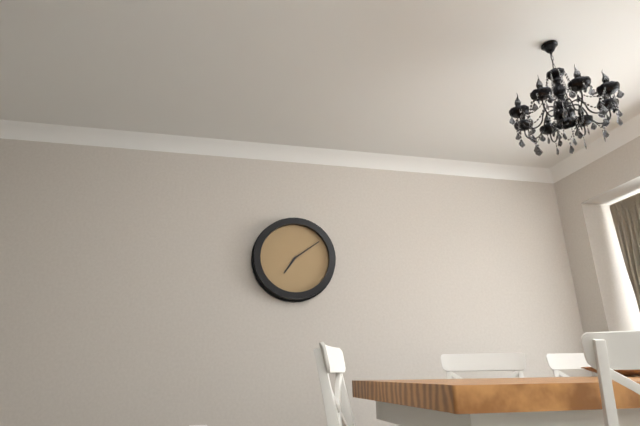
7:09
